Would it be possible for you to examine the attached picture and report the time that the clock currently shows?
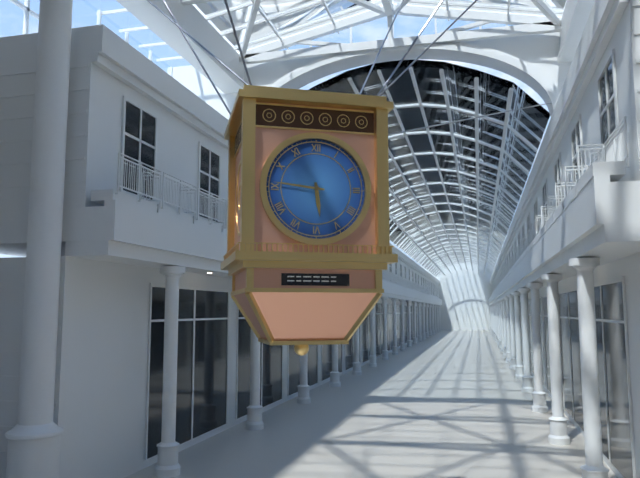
5:46
